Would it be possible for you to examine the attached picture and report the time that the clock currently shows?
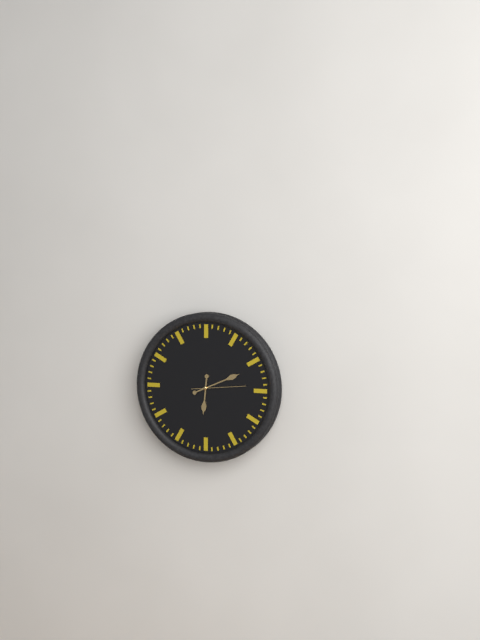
6:11
